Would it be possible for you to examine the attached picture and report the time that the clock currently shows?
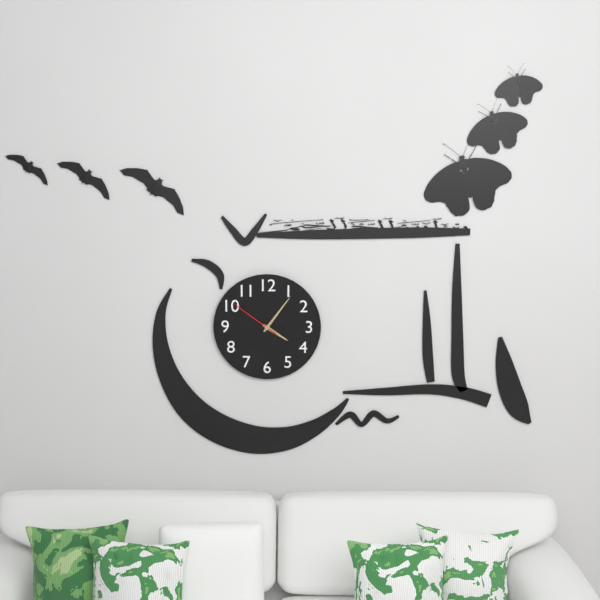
4:06:51
